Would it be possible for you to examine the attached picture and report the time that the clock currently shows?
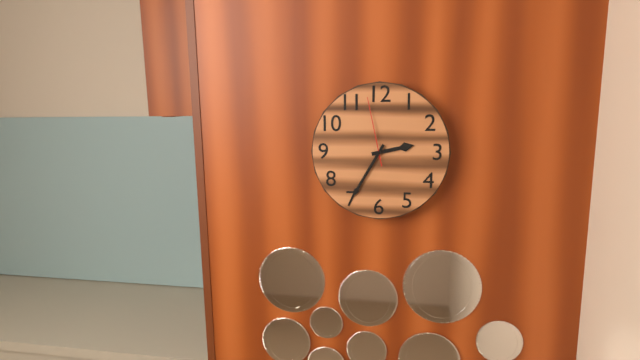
2:35:58
